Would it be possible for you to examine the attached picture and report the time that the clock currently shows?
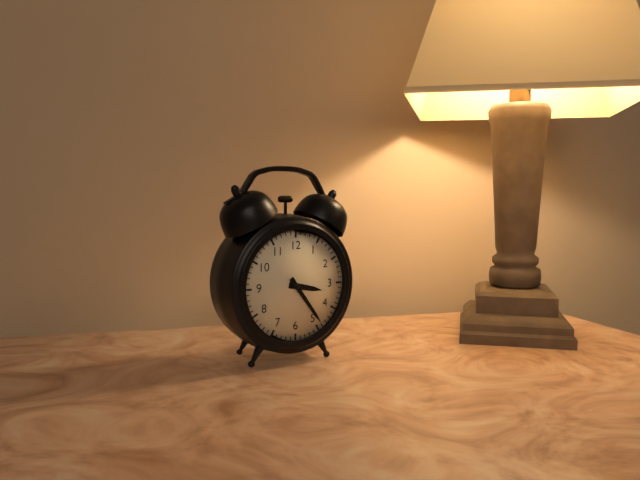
3:24
